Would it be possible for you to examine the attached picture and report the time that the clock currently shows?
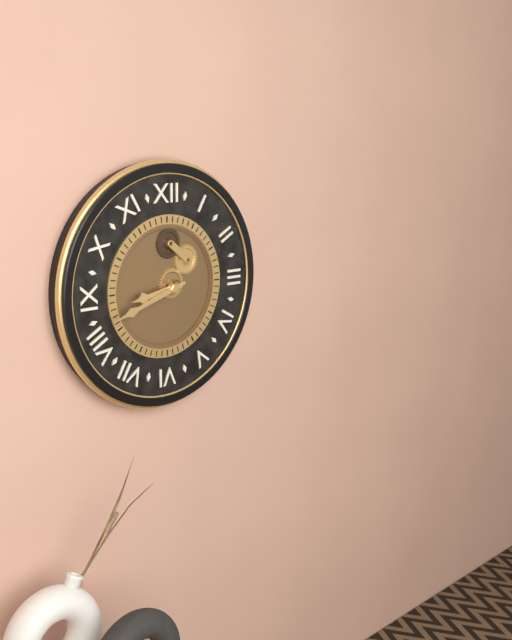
8:42
